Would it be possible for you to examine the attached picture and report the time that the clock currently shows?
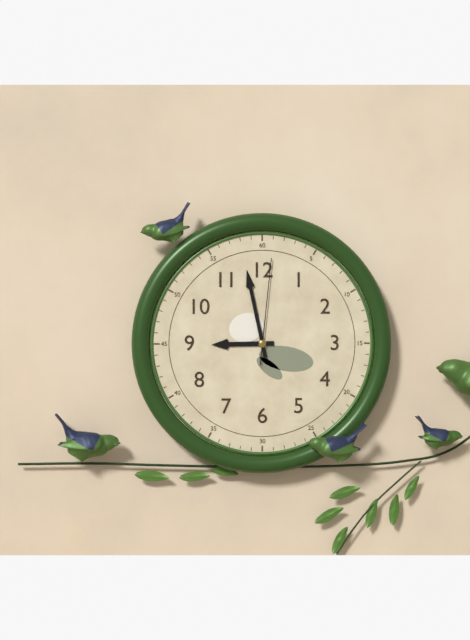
8:58:01
